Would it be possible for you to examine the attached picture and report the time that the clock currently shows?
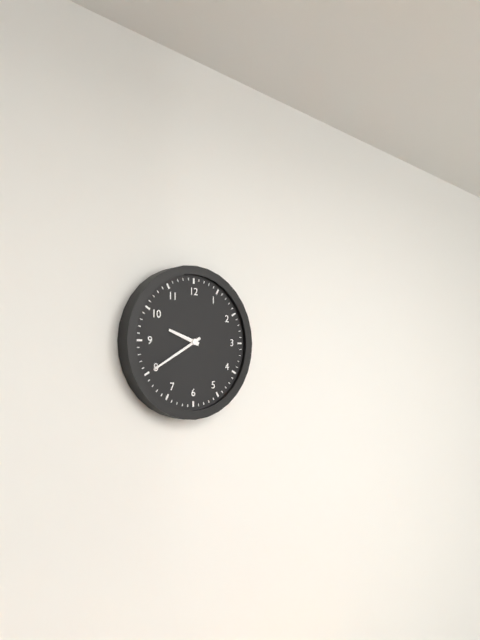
9:40
